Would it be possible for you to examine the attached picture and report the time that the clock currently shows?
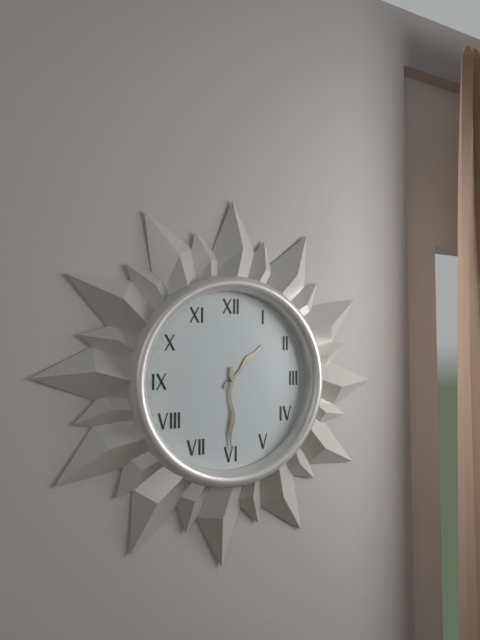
1:30
